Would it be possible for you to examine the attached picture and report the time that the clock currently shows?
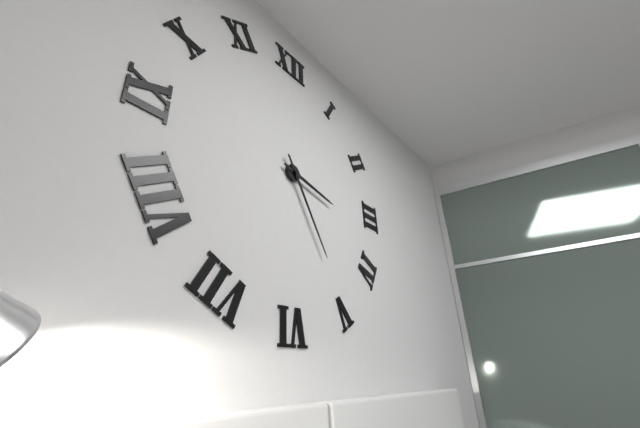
3:25
